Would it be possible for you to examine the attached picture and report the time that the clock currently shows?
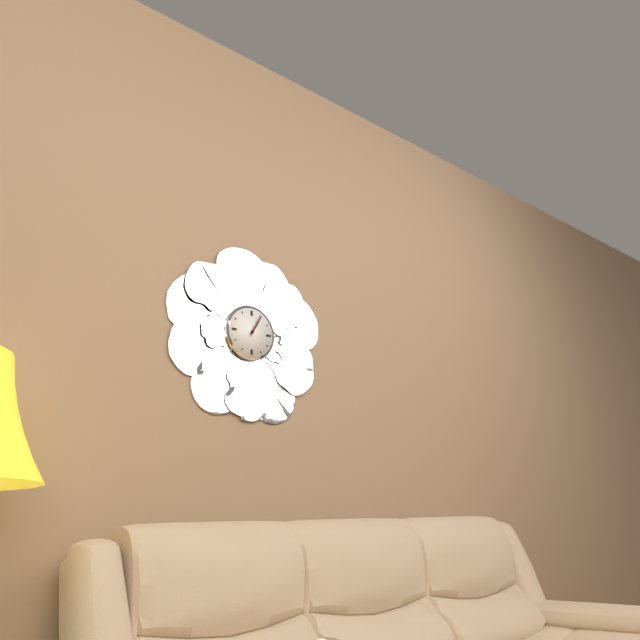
1:05
